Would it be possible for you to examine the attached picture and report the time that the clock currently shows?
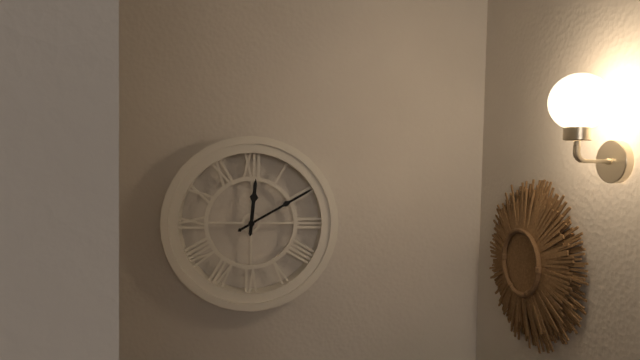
12:10
